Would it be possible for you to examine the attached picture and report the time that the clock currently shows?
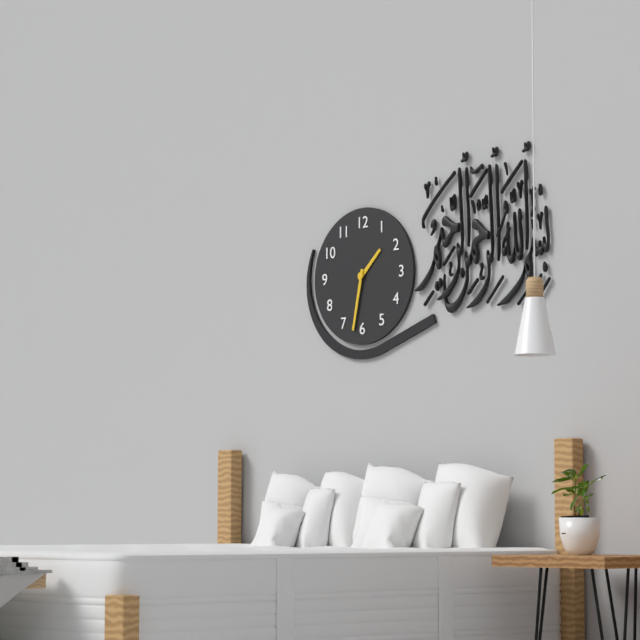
1:32
